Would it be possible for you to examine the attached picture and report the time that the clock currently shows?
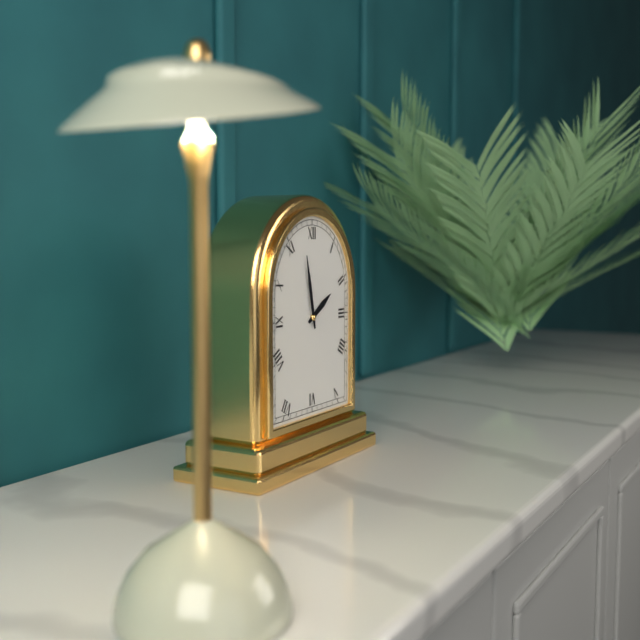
1:58
